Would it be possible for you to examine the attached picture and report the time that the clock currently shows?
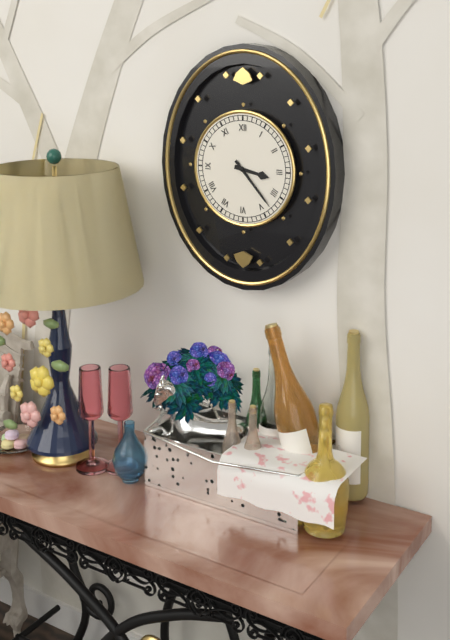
3:23
